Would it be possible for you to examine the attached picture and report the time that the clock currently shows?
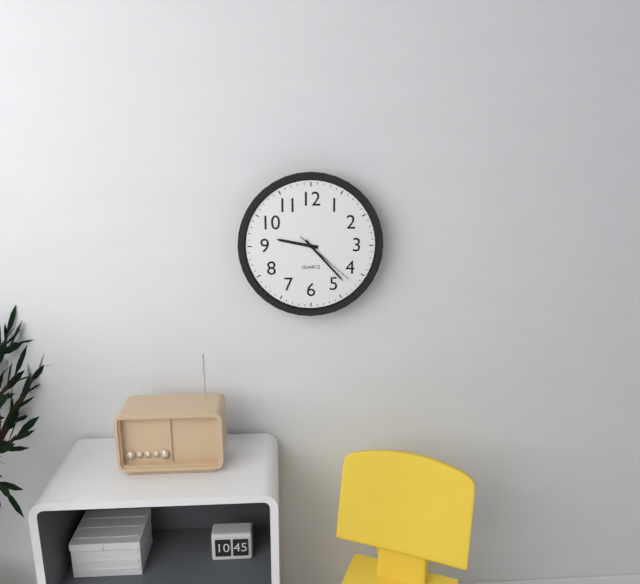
9:23:22
